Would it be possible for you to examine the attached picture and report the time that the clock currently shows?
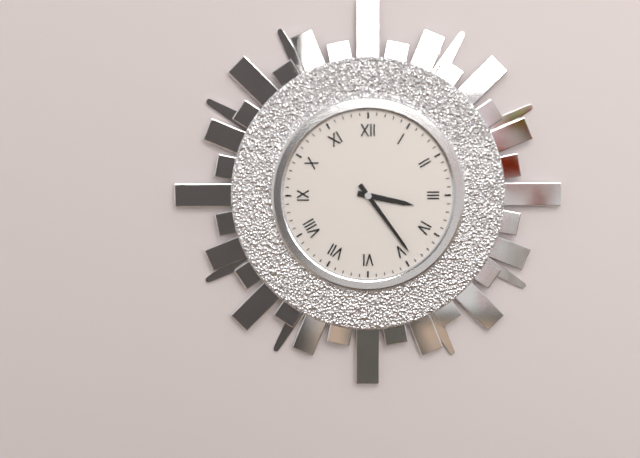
3:24
